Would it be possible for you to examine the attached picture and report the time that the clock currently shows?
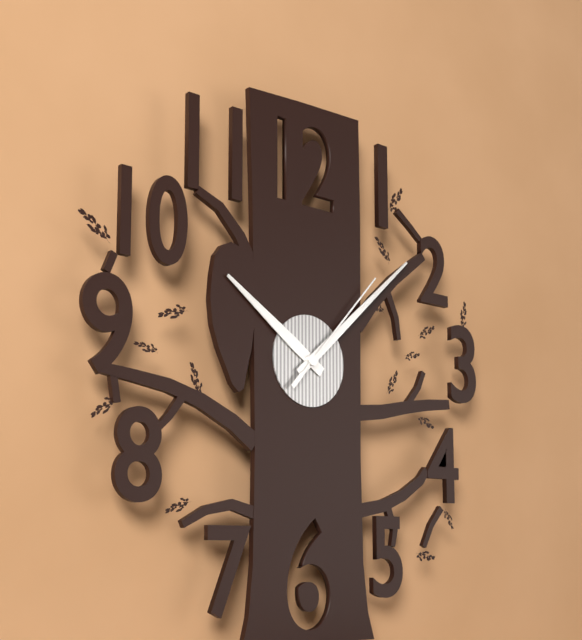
10:08:07
